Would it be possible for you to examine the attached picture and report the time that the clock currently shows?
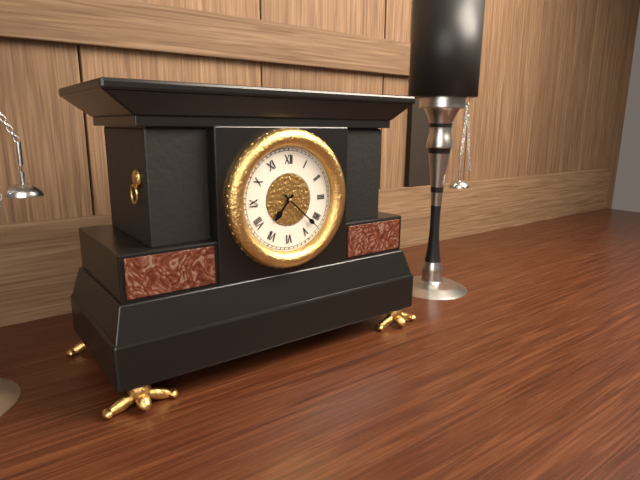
7:22
